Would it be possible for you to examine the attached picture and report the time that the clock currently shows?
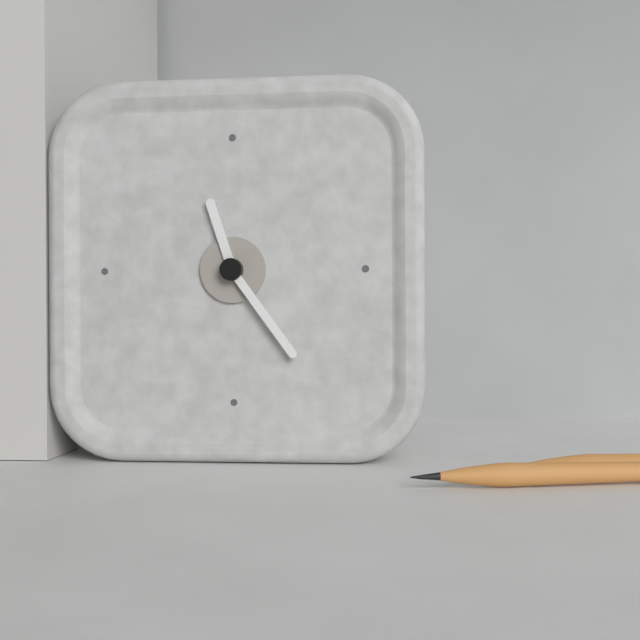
11:24
